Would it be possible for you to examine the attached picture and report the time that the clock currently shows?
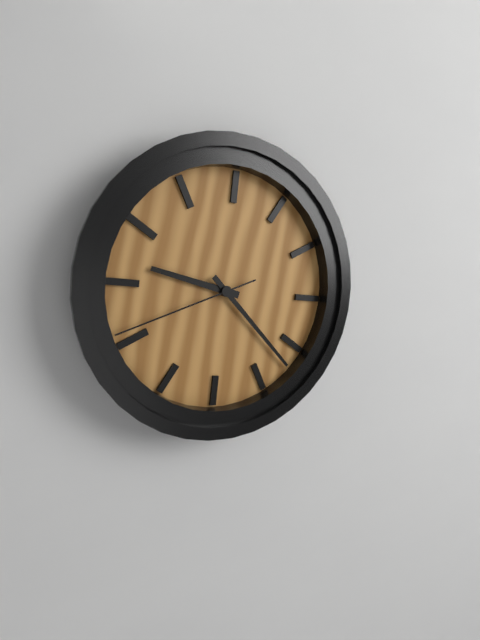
9:22:41
